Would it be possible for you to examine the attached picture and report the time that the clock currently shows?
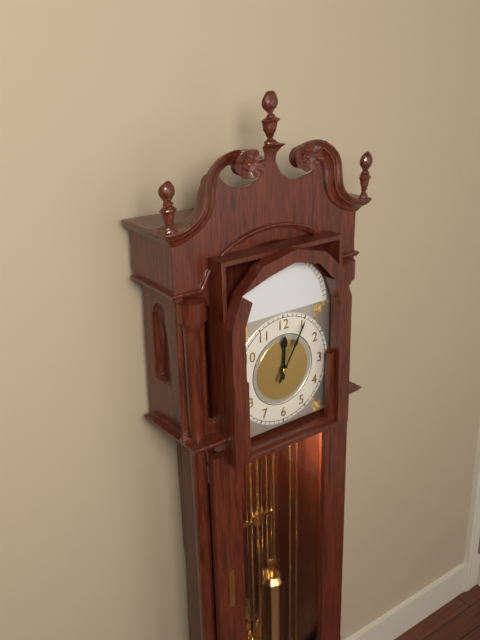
12:05
